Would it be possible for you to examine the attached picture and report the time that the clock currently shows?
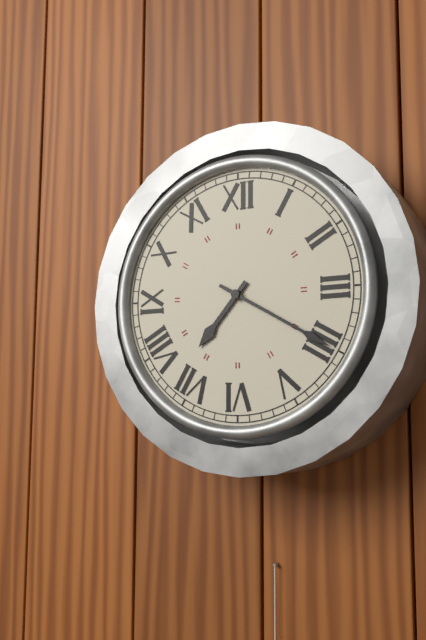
7:20
